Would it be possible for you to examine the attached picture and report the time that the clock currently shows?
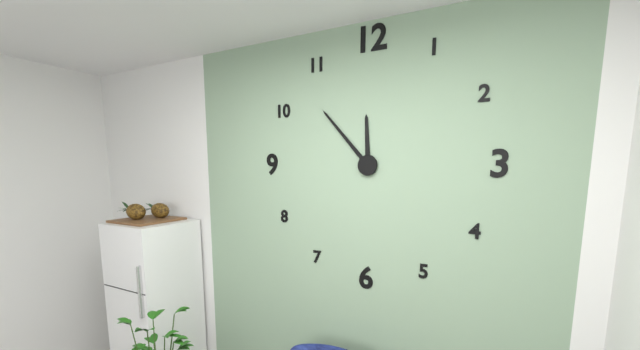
11:53
